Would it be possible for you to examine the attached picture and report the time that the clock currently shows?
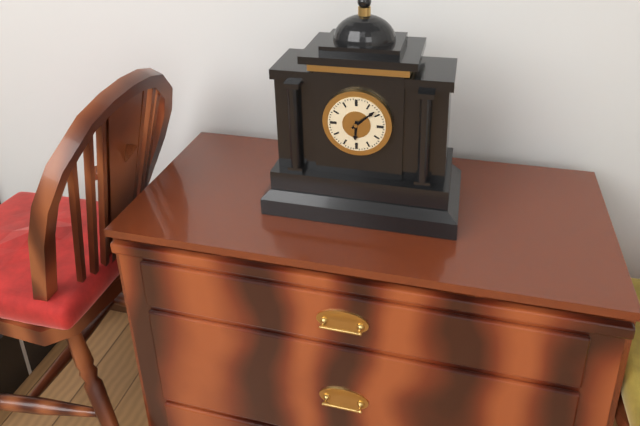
6:08
